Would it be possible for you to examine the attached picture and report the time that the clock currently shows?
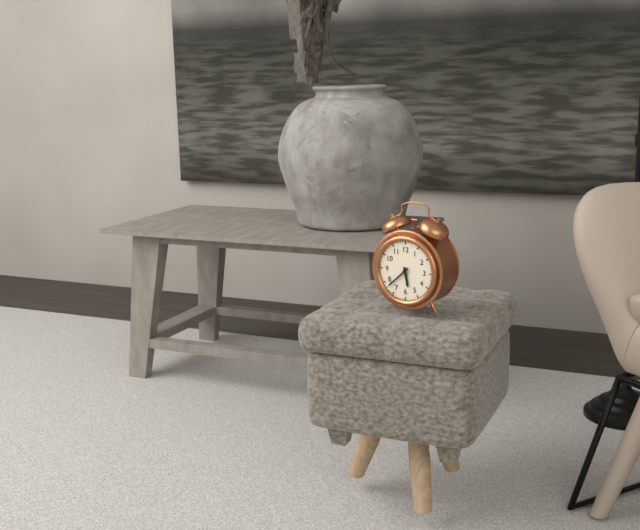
5:38
